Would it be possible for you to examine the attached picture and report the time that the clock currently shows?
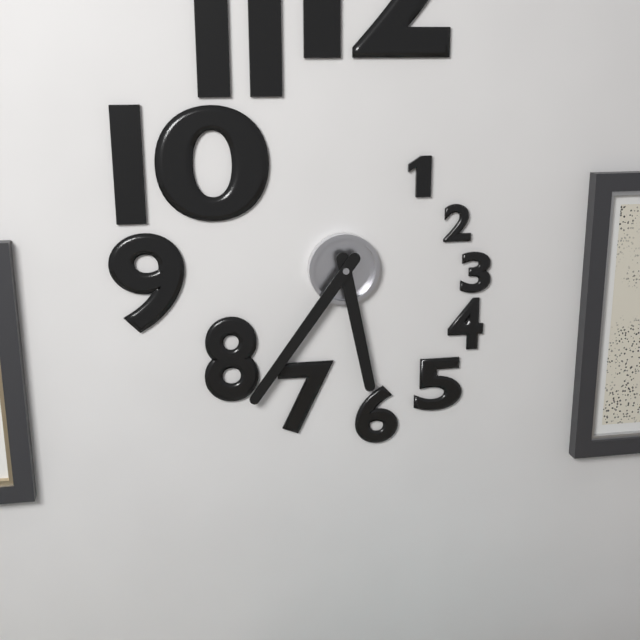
5:36
